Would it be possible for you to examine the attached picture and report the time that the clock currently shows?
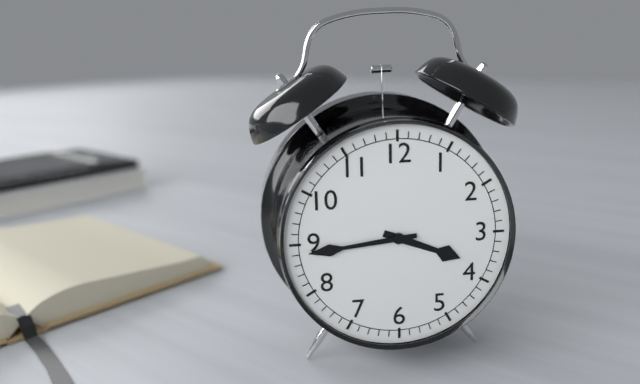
3:44
